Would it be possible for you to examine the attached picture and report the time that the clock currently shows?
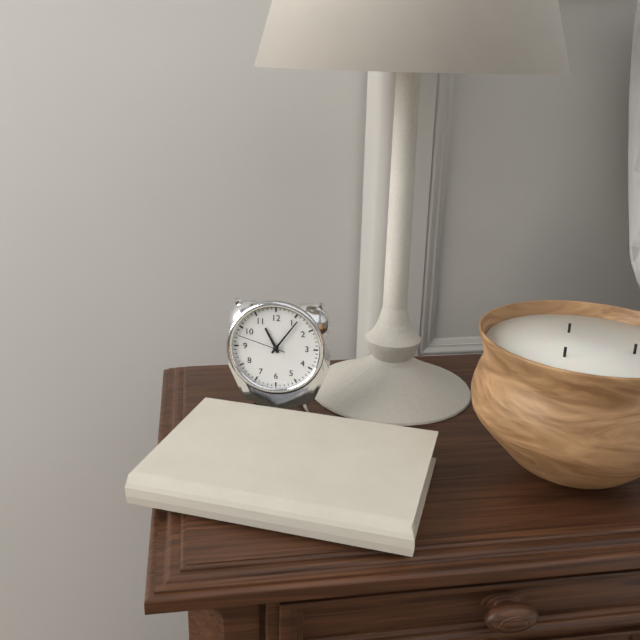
11:06
